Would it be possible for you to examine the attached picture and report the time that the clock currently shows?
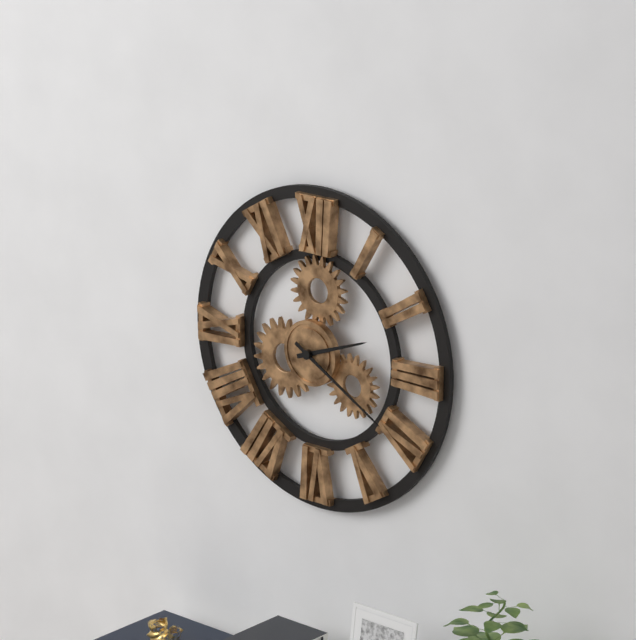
2:20
